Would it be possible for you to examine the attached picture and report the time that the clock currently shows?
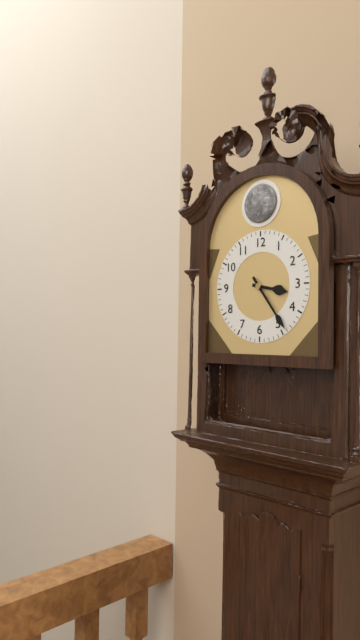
3:24
